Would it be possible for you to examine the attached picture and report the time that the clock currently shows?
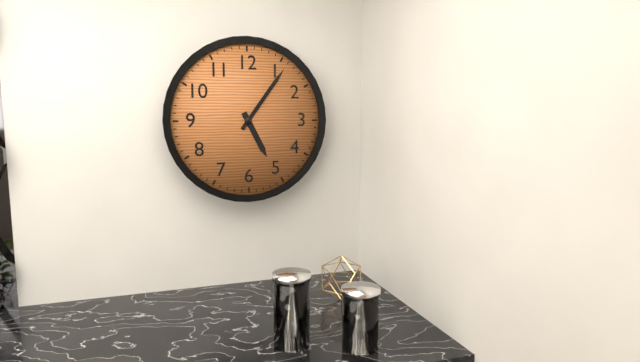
5:06
